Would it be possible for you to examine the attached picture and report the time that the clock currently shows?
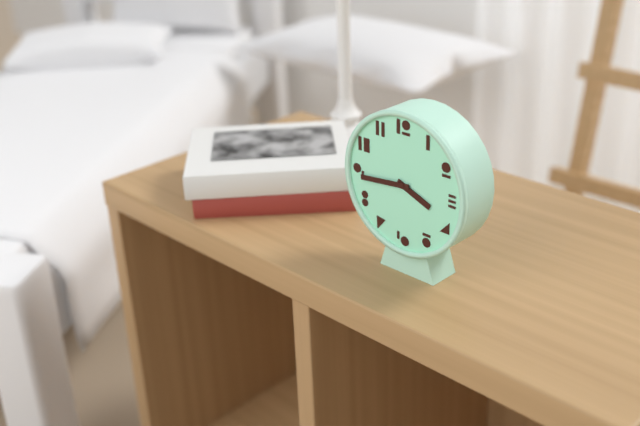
3:44
